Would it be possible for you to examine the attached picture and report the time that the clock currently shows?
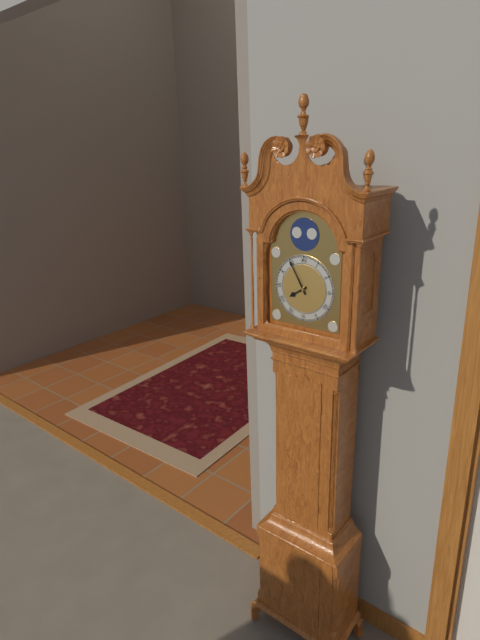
7:55
